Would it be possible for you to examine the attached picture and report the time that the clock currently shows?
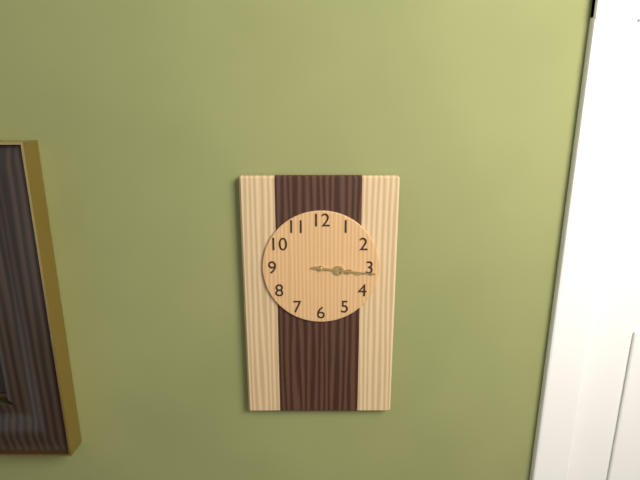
3:16
